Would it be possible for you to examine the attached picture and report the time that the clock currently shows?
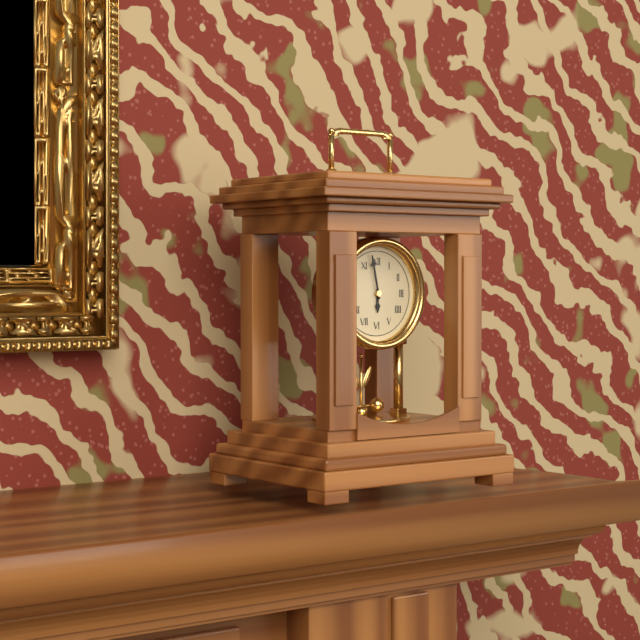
5:58
